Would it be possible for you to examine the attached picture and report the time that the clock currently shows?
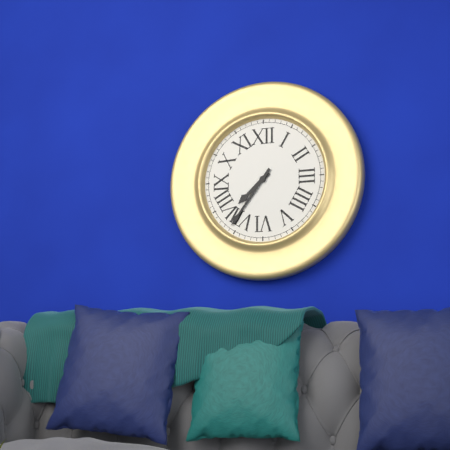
7:36
